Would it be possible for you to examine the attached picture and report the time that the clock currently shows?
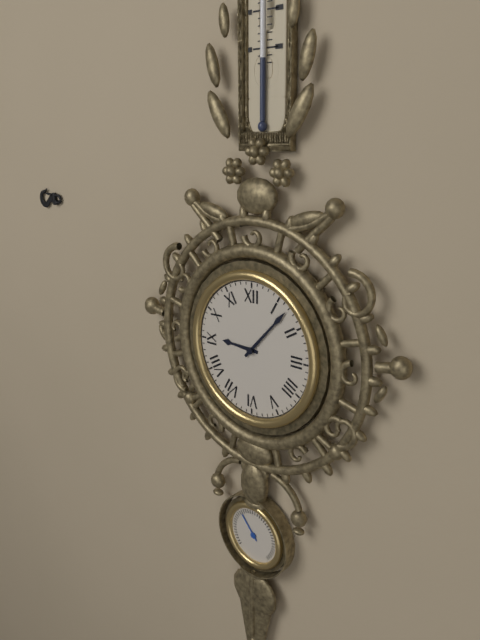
9:07
